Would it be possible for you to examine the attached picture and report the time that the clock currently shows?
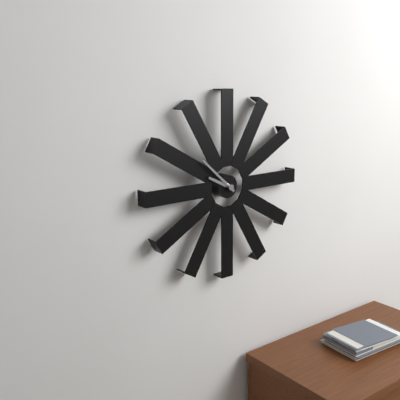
9:52
